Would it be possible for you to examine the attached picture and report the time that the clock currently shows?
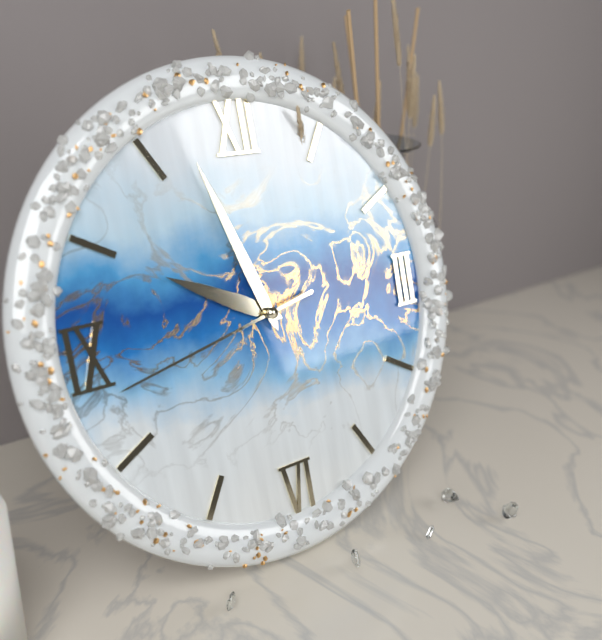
9:57:43
